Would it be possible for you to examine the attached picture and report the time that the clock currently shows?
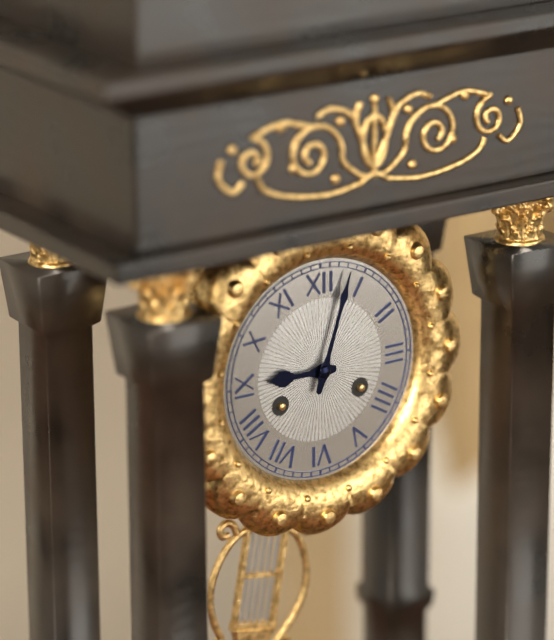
9:03
